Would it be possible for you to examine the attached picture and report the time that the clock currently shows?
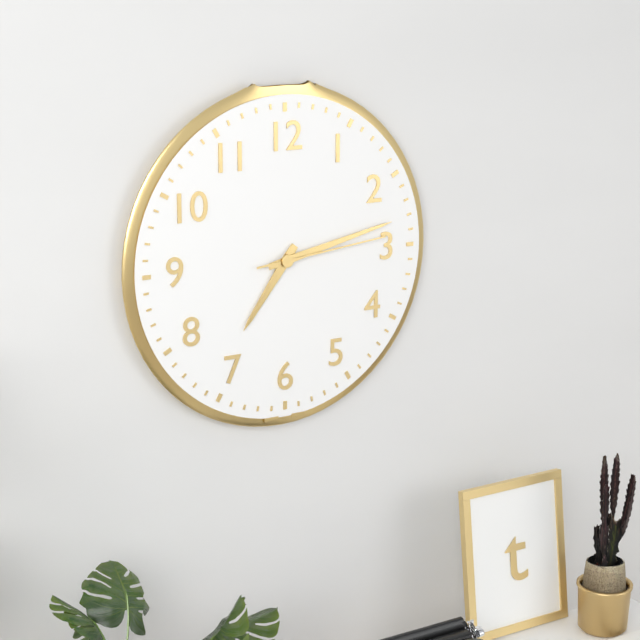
7:13:14
